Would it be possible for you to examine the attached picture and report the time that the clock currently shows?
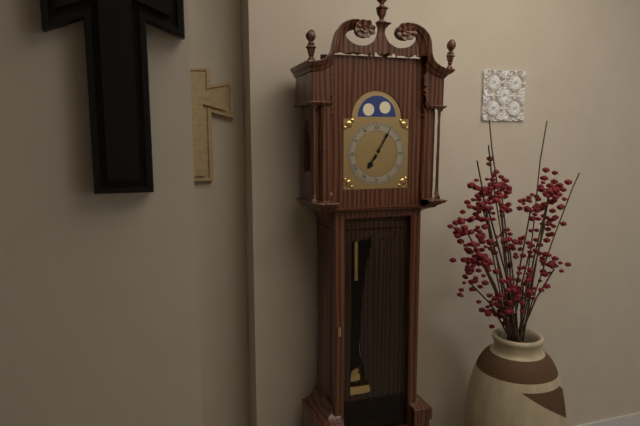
7:05
